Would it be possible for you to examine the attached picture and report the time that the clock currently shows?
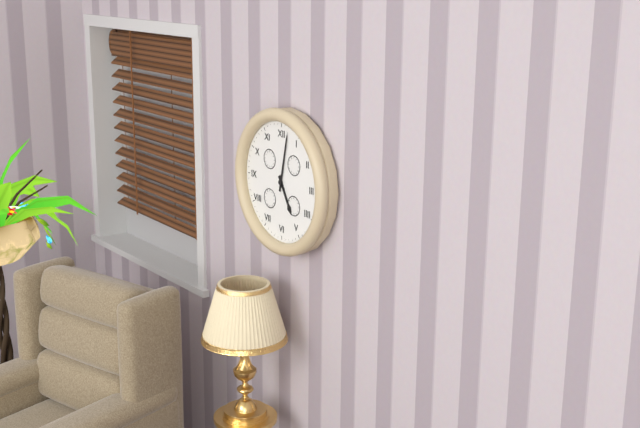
5:02
